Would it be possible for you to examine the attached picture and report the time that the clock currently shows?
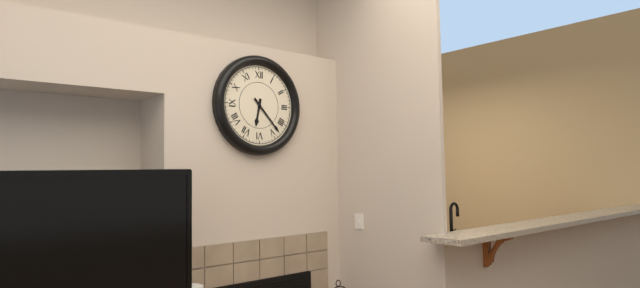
6:23
